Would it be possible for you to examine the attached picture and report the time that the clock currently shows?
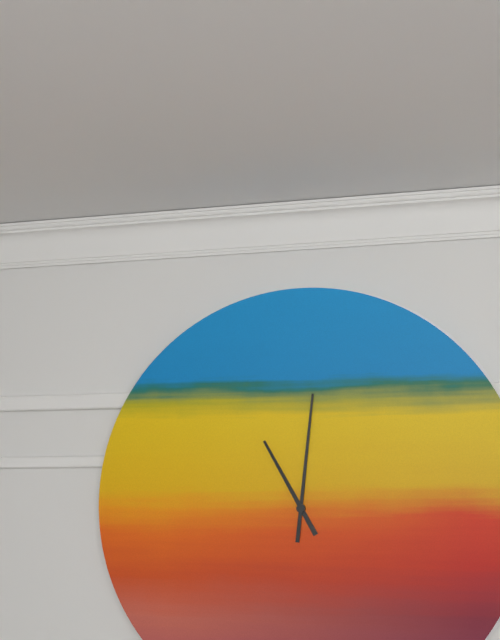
11:01
